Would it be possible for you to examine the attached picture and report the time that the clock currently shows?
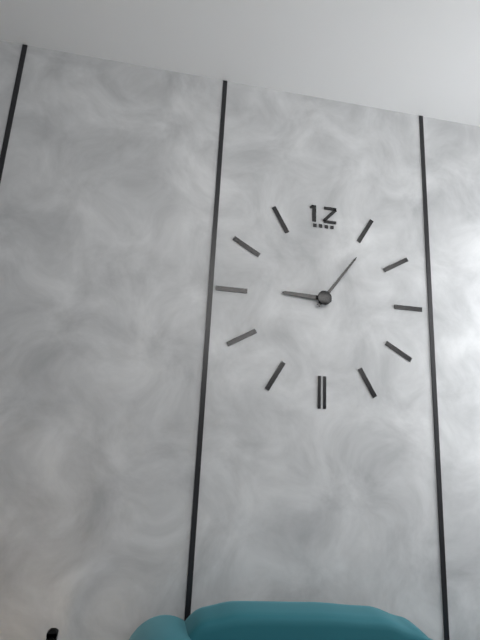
9:06
